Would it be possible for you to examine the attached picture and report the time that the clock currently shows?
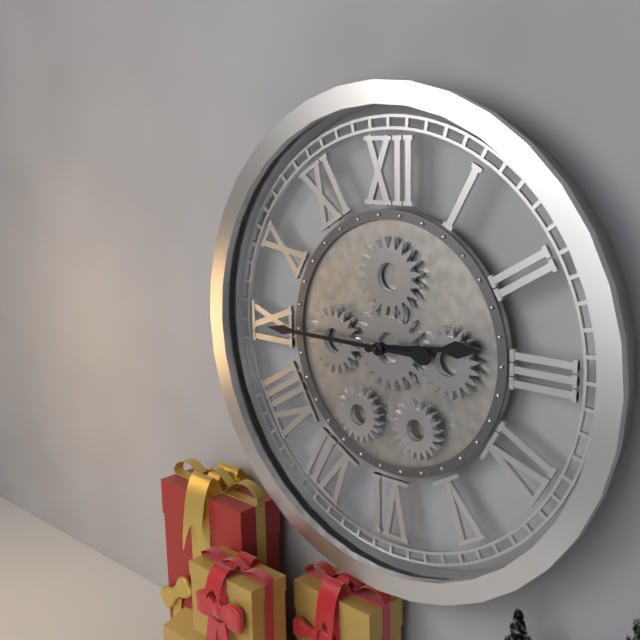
2:45
